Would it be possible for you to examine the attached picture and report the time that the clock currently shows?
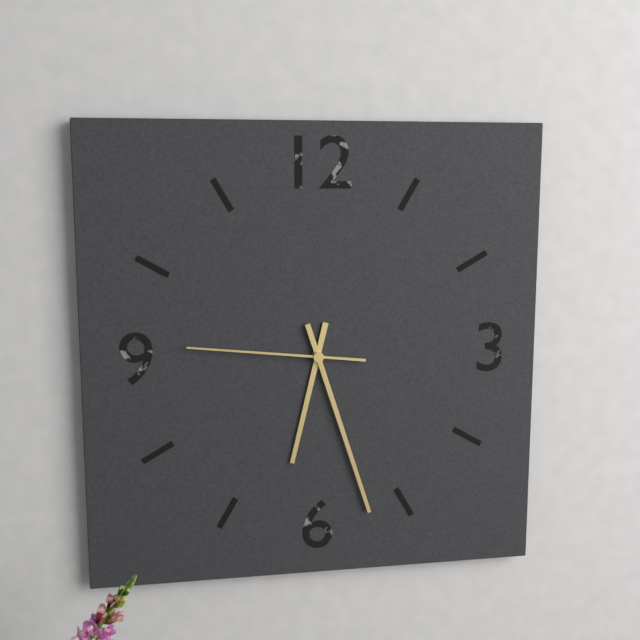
6:27:46
